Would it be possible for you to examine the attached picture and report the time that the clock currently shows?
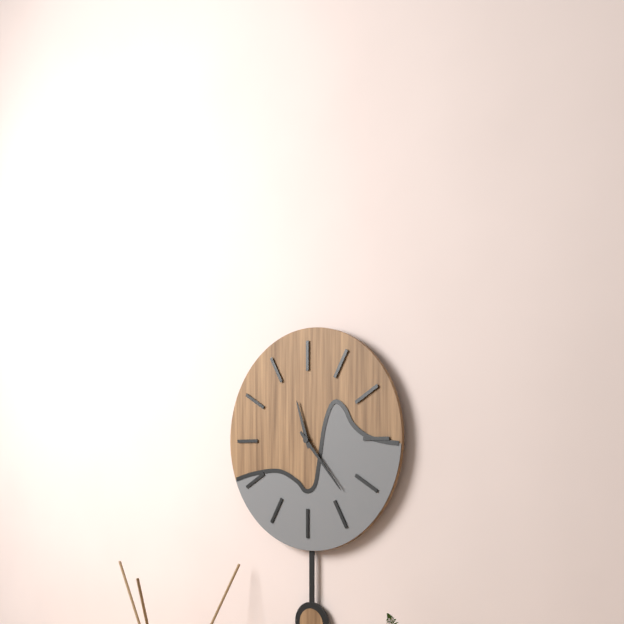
11:23
